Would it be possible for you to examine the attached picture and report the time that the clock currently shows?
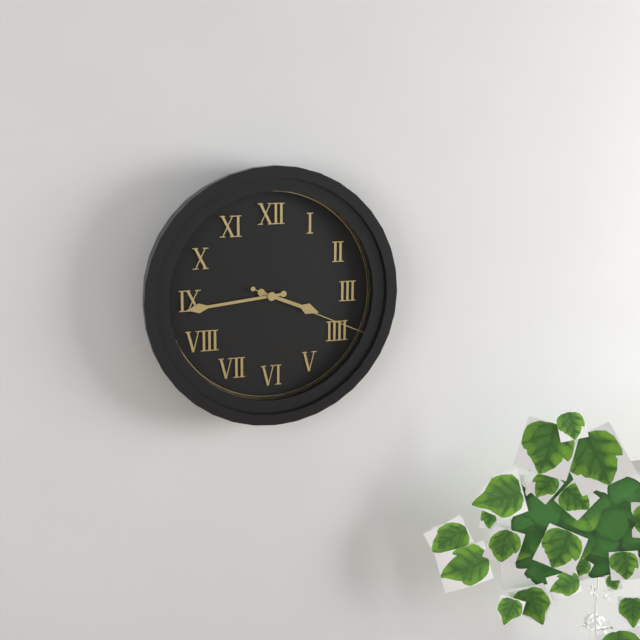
3:44:19
